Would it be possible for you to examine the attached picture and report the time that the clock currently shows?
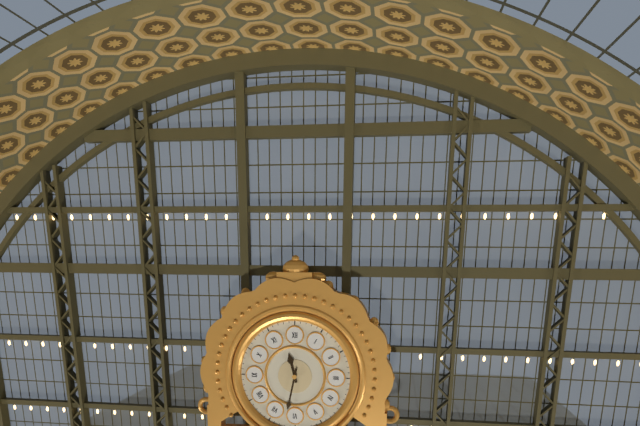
11:32
